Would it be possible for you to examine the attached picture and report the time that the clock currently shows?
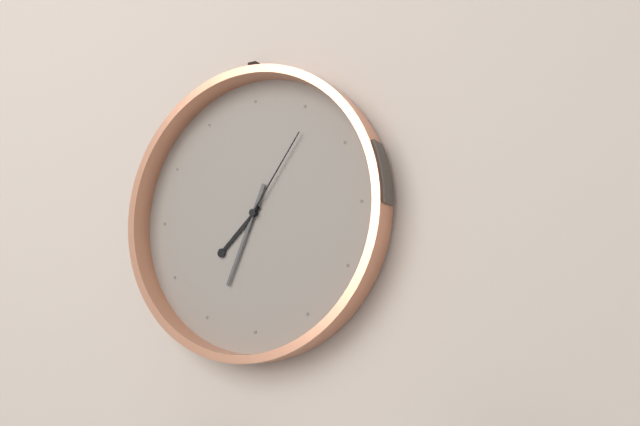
7:34:06
